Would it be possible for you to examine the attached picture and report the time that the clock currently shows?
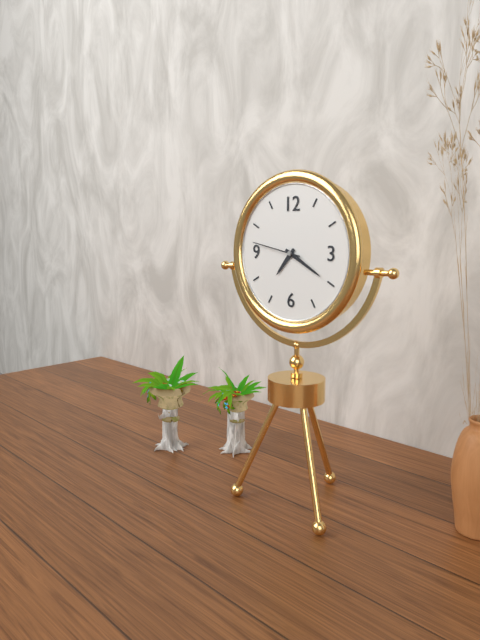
7:20
